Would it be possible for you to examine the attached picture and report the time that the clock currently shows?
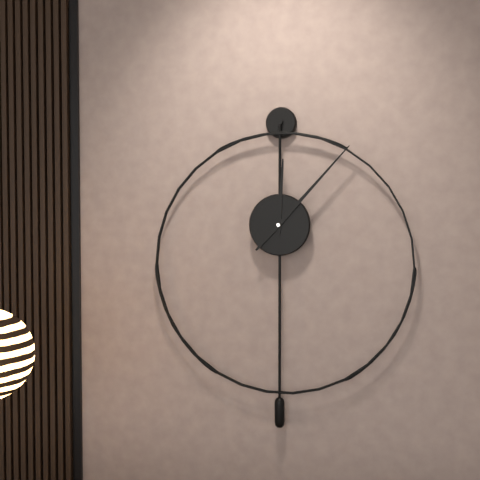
12:07
